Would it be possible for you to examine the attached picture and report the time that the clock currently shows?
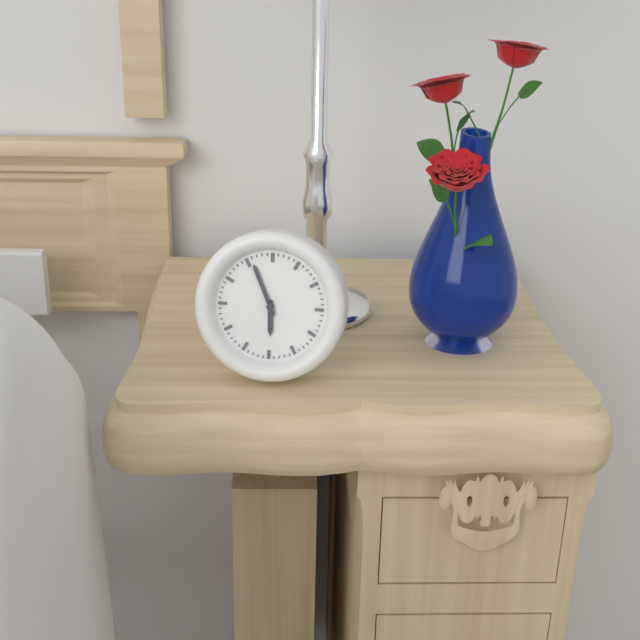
5:56
